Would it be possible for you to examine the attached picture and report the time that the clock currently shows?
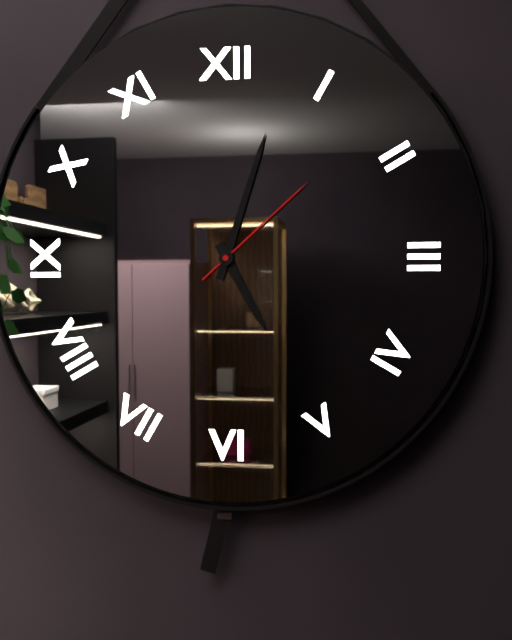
5:03:08
